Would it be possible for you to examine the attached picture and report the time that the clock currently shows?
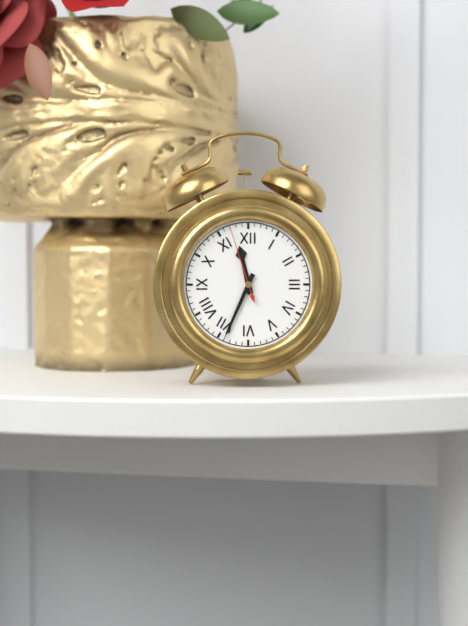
11:34:57
